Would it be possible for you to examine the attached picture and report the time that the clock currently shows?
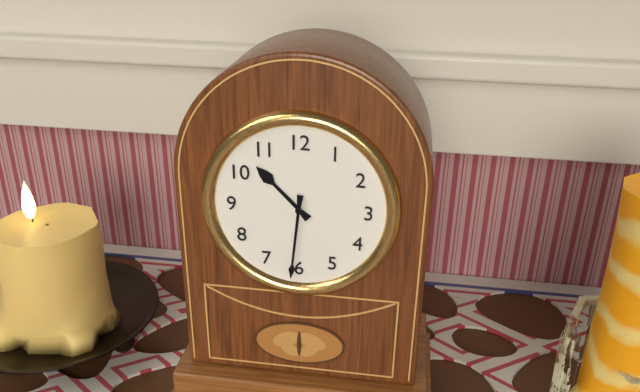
10:31
